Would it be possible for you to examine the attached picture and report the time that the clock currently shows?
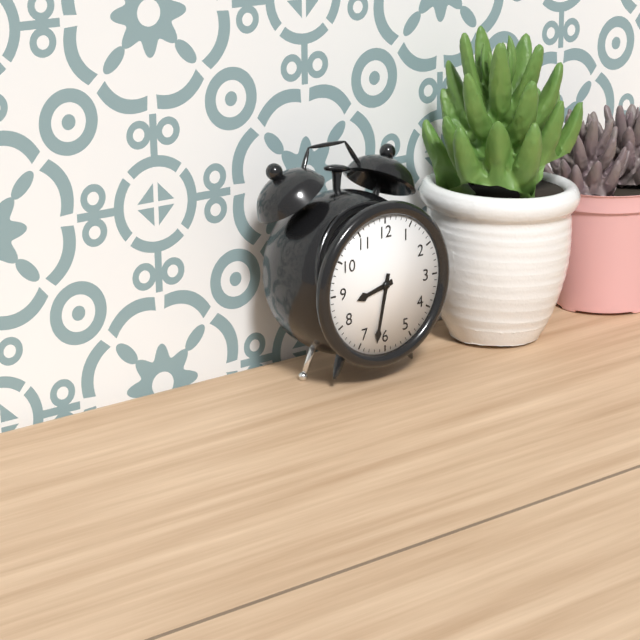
8:32
